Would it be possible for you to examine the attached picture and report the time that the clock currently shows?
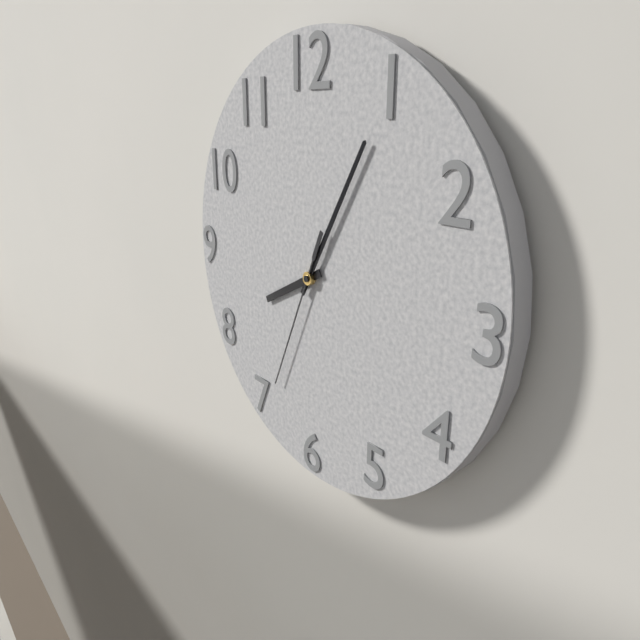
8:05:34
